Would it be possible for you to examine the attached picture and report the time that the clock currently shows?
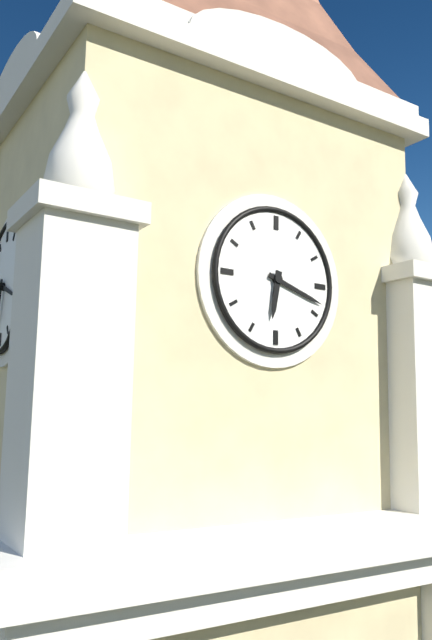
6:18
